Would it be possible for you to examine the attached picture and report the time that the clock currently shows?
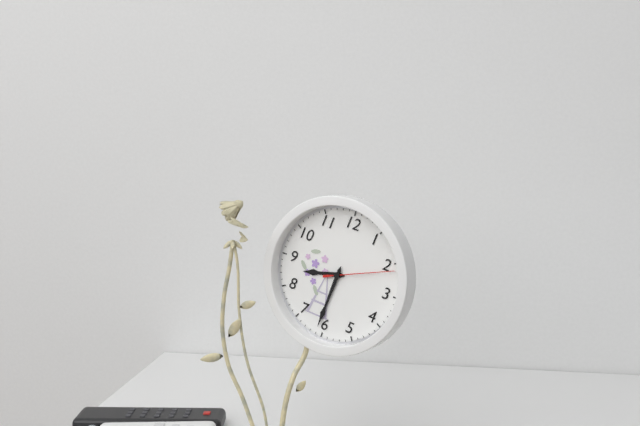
8:31:11
